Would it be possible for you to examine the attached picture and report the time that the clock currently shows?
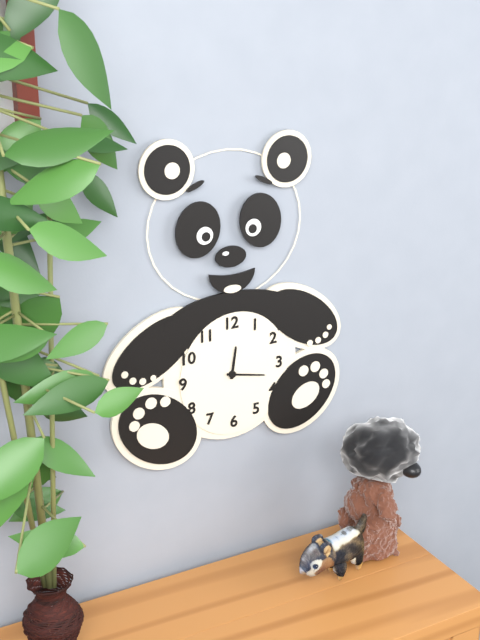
12:17
